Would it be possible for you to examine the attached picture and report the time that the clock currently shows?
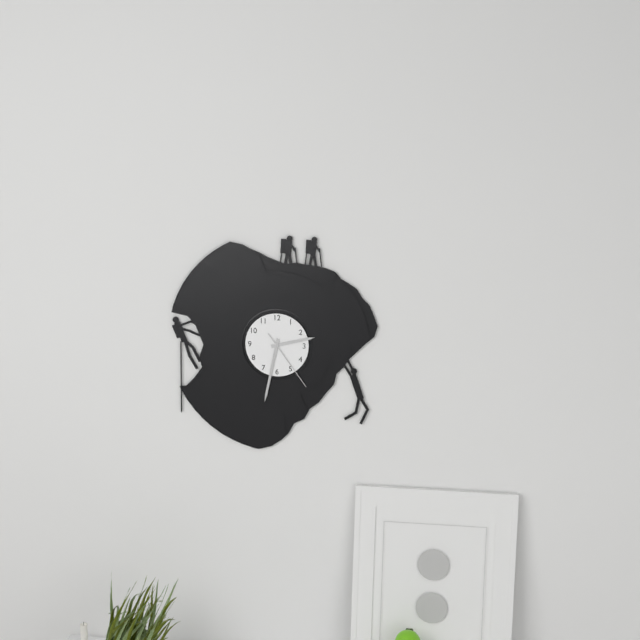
2:32:24
